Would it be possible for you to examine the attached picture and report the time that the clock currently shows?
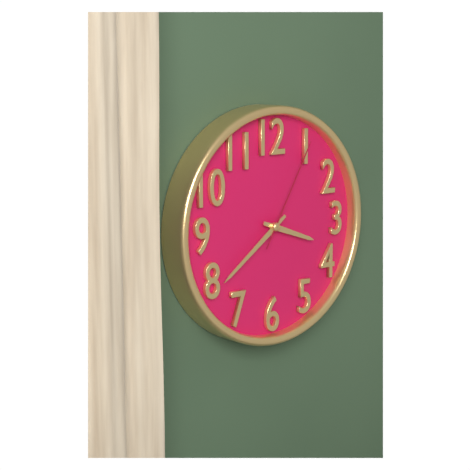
3:39:05
